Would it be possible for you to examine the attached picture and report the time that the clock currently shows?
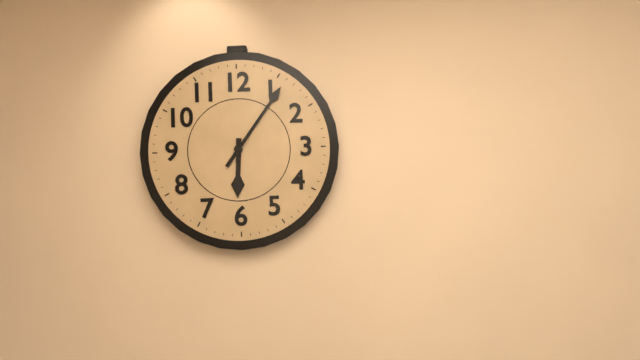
6:06
